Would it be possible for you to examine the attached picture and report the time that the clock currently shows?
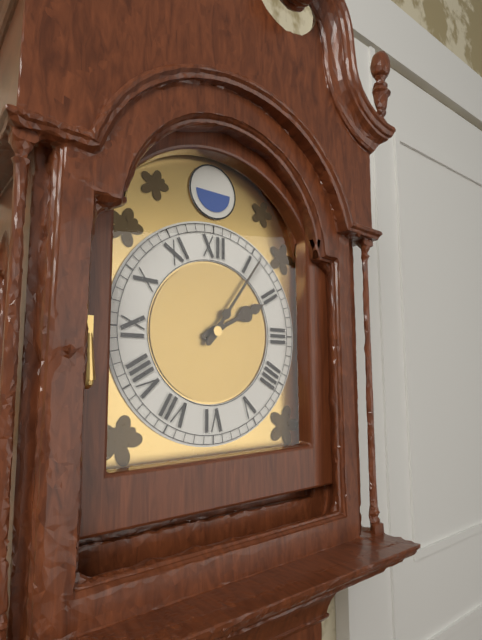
2:06
